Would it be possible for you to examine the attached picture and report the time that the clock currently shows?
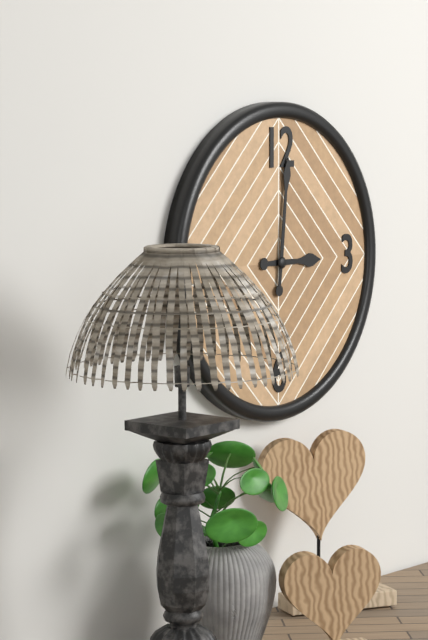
3:01
